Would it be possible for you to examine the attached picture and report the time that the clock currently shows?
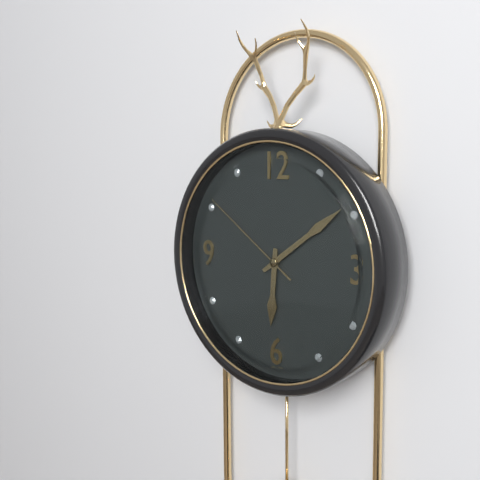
6:09:51
